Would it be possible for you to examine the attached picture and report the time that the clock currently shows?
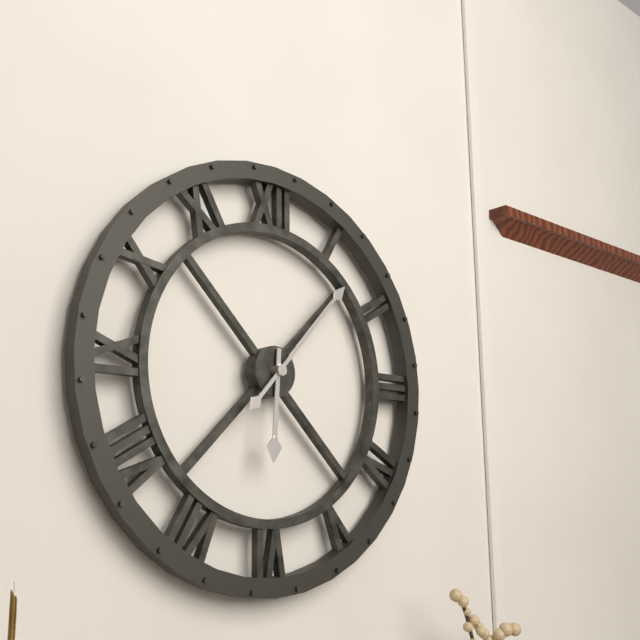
6:07
